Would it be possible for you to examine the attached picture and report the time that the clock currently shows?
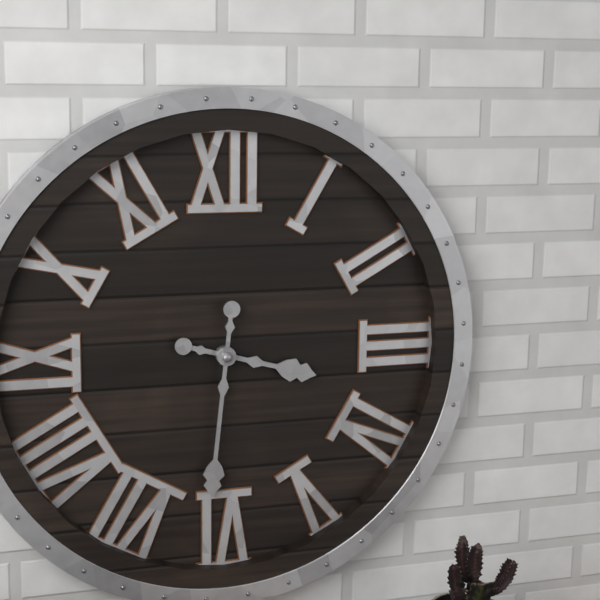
3:31
